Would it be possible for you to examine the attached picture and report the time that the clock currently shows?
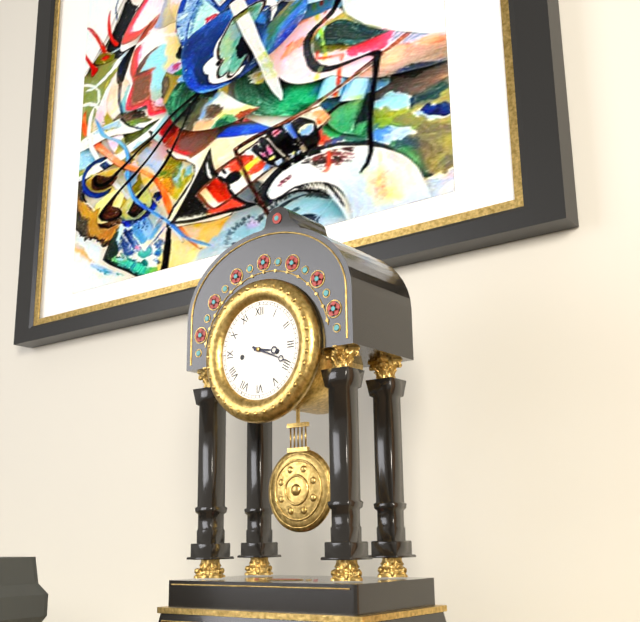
3:19
